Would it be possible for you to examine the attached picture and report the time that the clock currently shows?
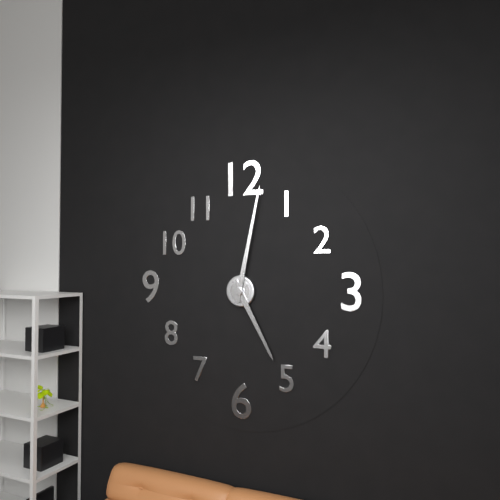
5:02
